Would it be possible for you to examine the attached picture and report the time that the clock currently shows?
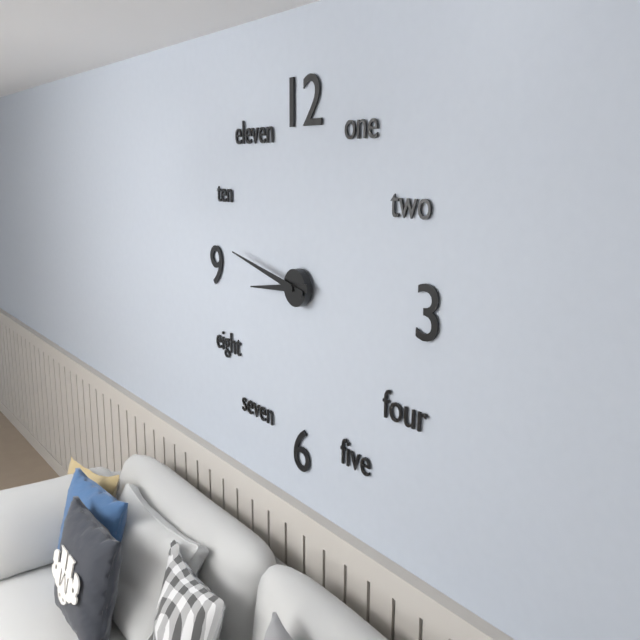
8:47
